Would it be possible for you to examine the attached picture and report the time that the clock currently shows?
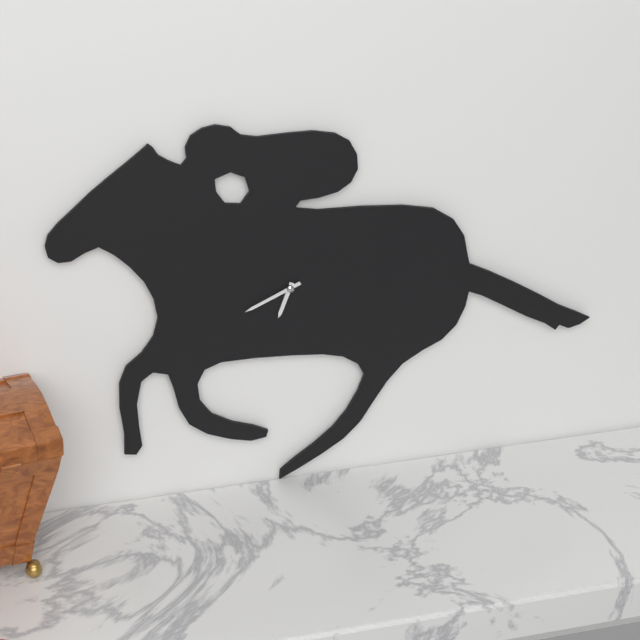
6:41
